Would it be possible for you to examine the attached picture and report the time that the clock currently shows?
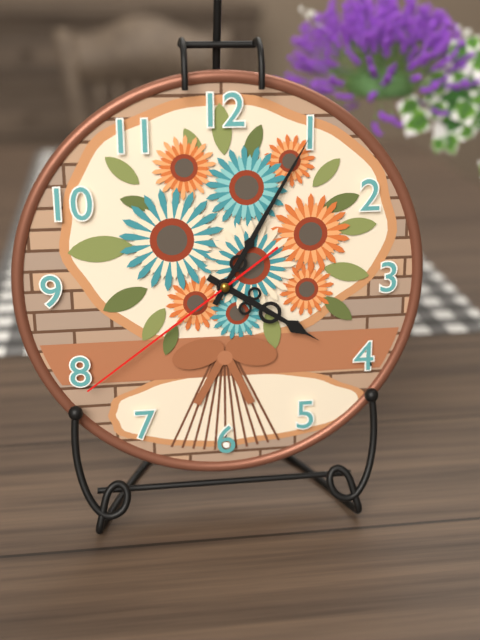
4:05:39
